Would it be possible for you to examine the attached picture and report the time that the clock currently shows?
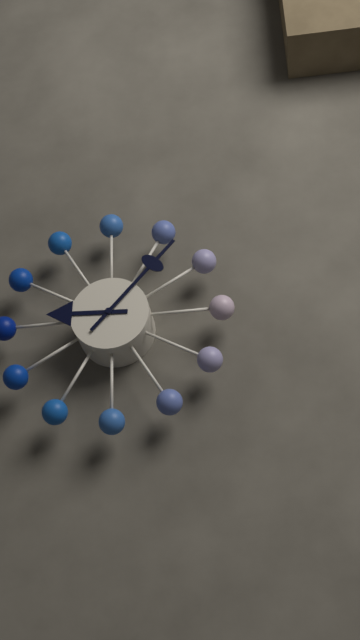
9:07
